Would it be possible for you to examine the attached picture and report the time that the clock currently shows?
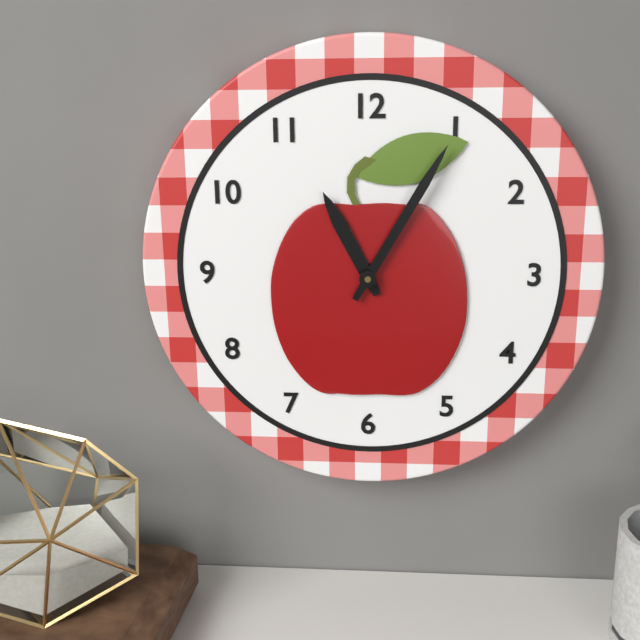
11:05
